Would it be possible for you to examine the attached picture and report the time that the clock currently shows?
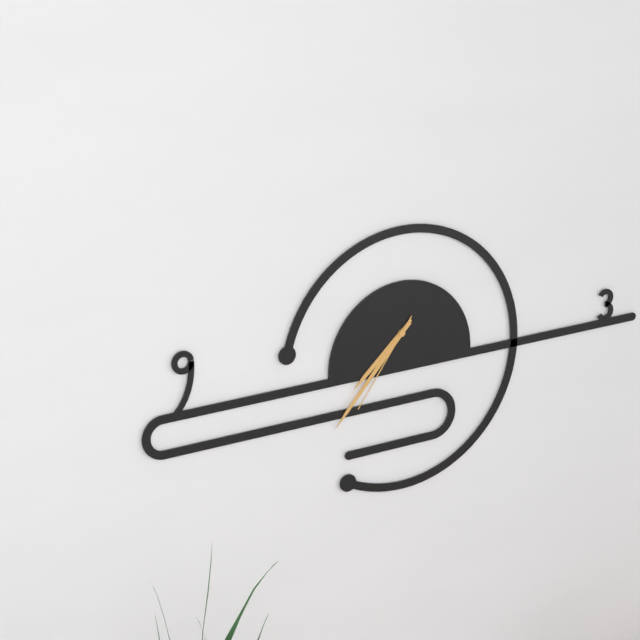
7:37:36
